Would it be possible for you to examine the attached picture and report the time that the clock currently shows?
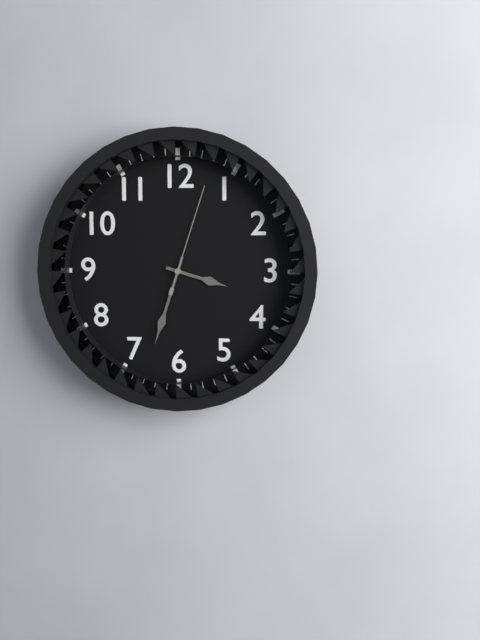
3:33:03
